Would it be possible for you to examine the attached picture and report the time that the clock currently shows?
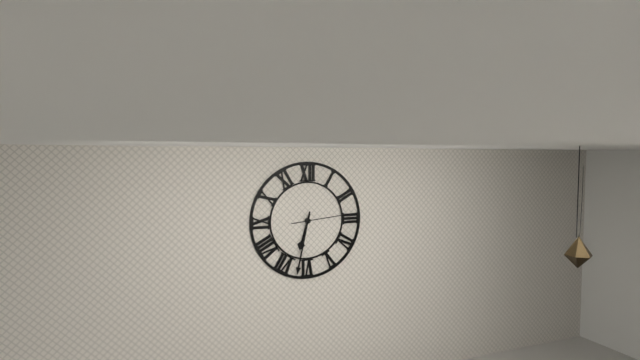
6:32:14
